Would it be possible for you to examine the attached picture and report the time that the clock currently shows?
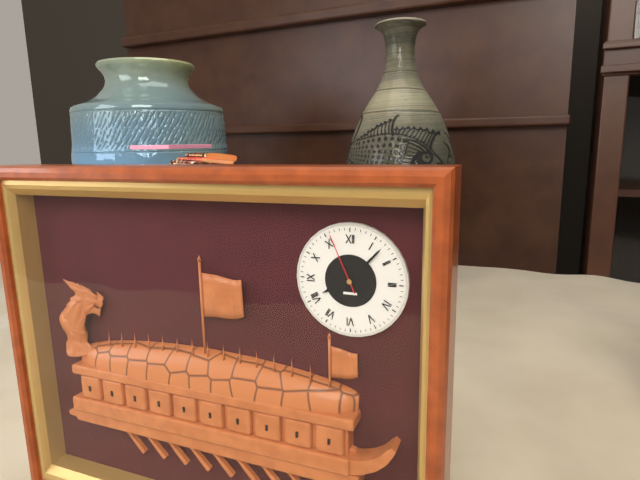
8:07:56
